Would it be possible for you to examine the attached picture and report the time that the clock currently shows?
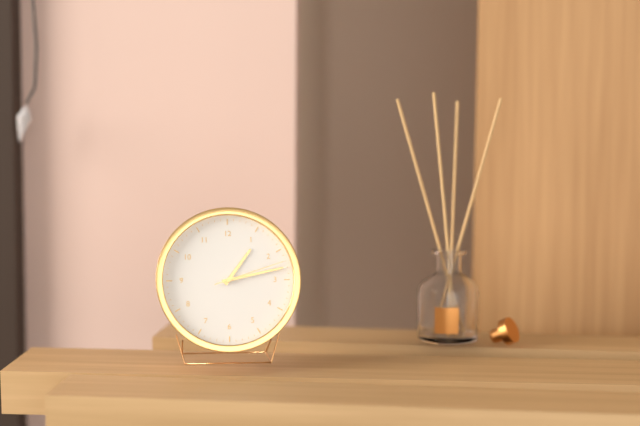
1:13:12
